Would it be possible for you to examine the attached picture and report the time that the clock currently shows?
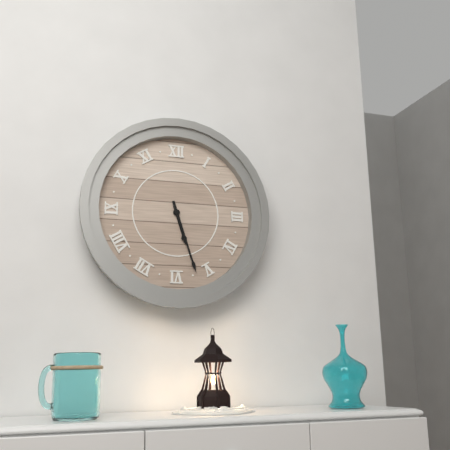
5:27
